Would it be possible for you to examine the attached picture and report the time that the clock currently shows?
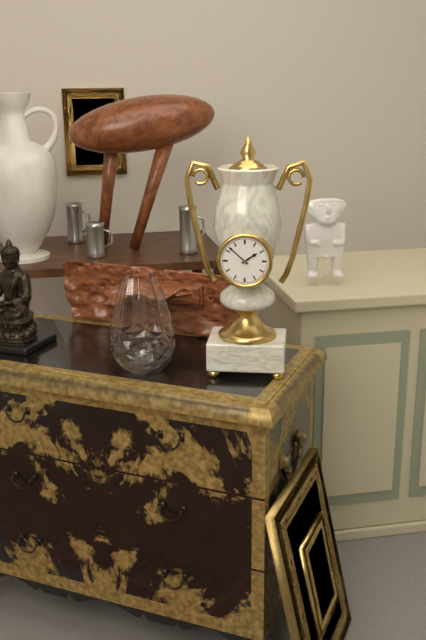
1:52
